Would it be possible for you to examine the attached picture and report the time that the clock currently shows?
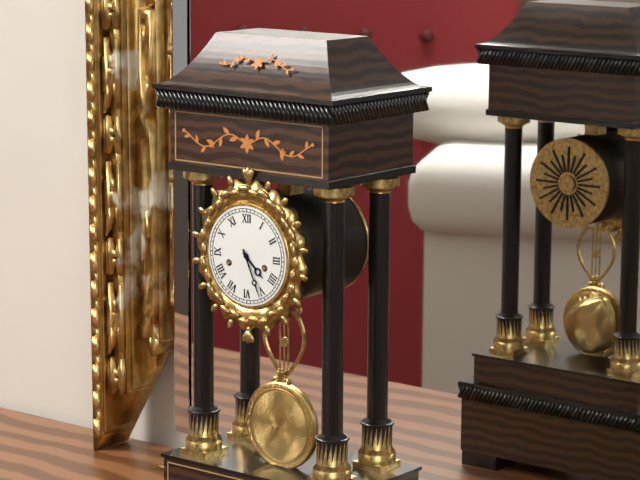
4:26
